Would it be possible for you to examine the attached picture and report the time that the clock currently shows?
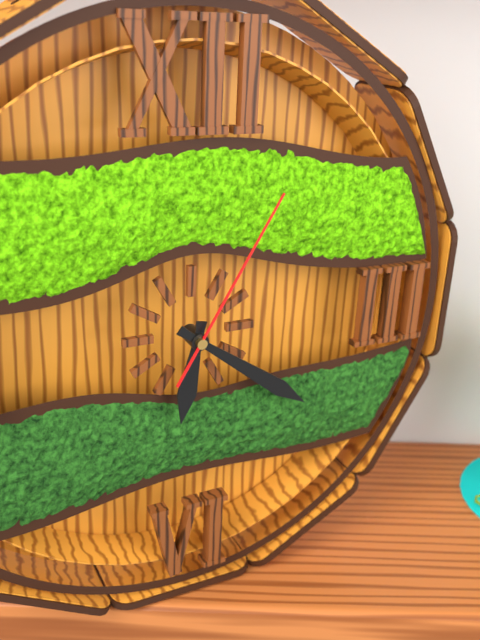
6:21:05
